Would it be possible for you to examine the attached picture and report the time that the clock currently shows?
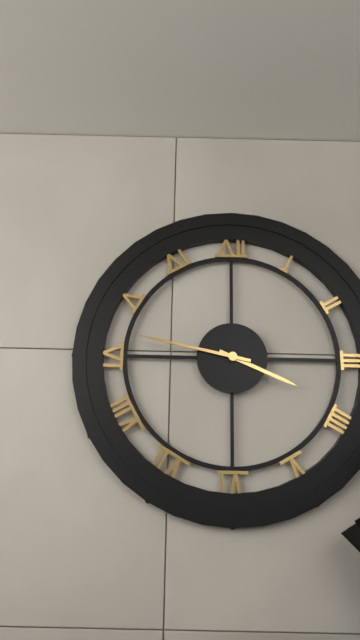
3:47
